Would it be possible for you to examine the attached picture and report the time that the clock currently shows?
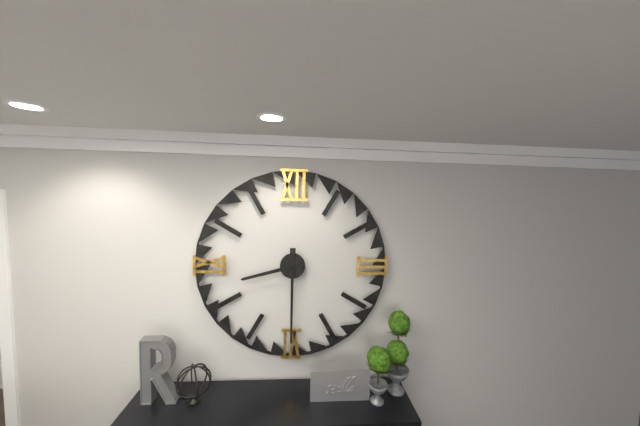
8:30
